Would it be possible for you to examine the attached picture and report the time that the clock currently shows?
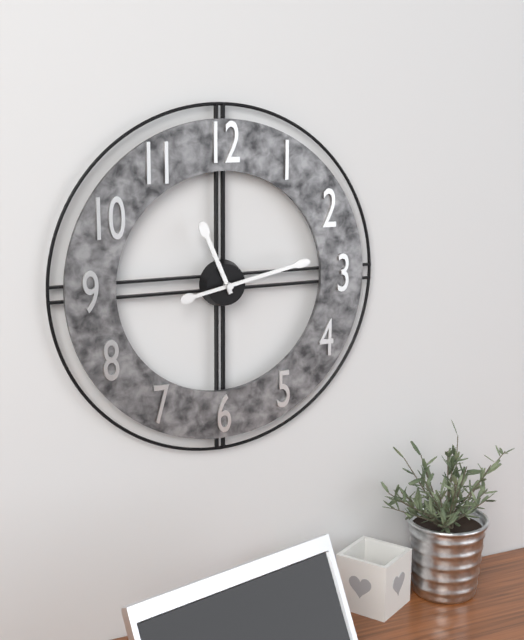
11:13
